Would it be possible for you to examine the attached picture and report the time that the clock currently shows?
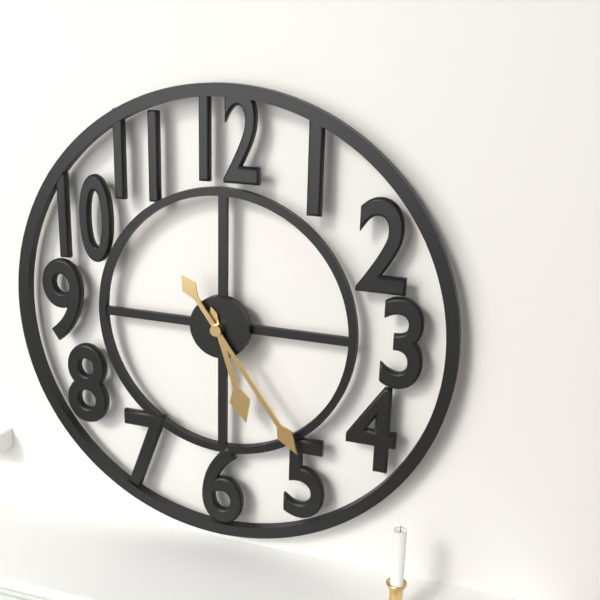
5:24
